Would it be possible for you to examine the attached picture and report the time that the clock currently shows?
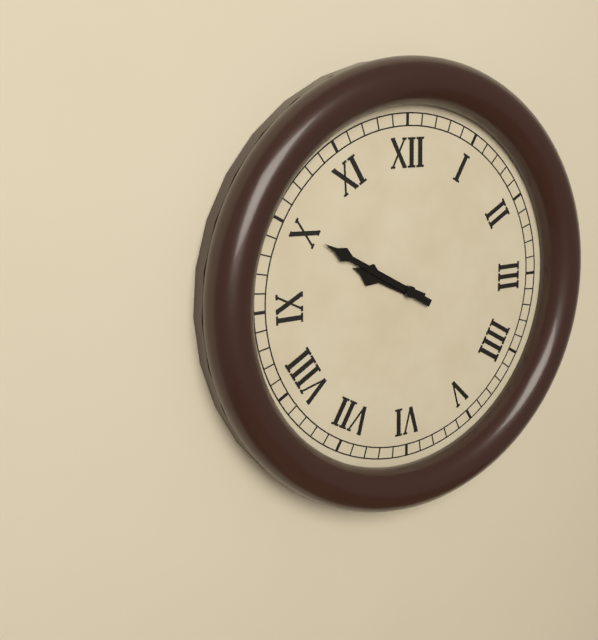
9:50
